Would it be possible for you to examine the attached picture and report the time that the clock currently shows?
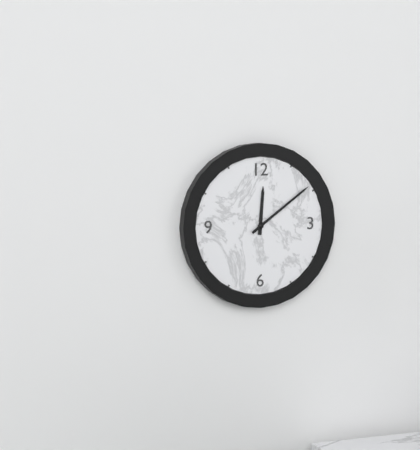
12:09
